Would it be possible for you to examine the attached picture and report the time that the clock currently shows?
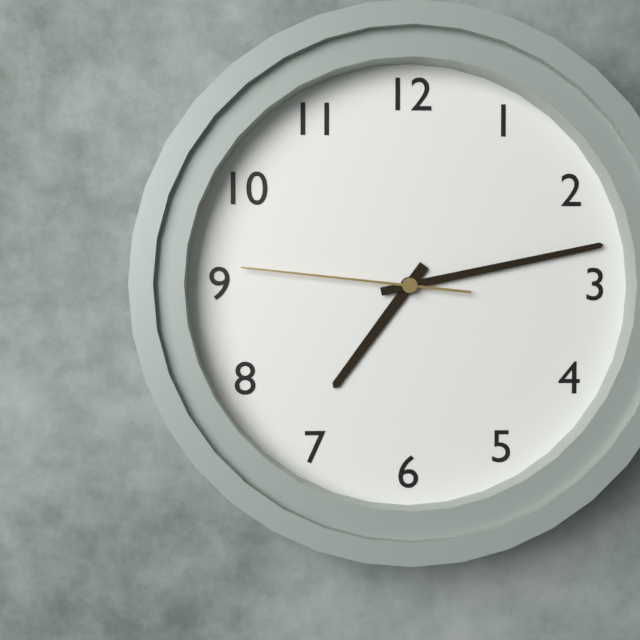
7:13:46
